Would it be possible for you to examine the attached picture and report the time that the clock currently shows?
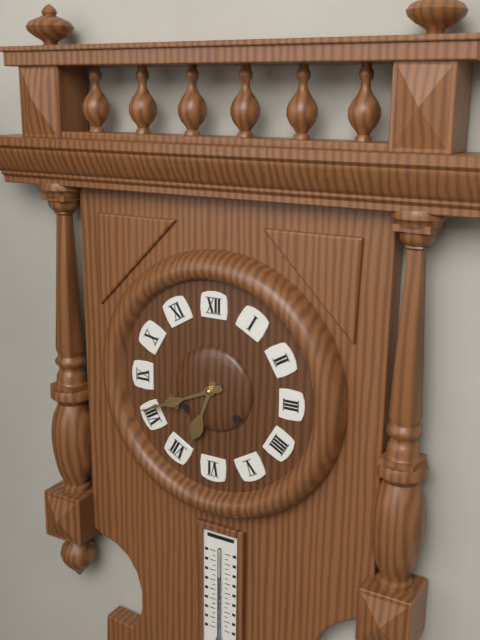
6:41
